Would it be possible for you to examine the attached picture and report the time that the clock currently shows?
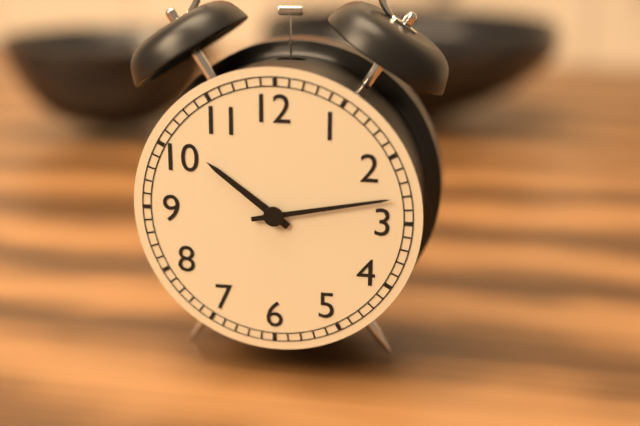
10:13
